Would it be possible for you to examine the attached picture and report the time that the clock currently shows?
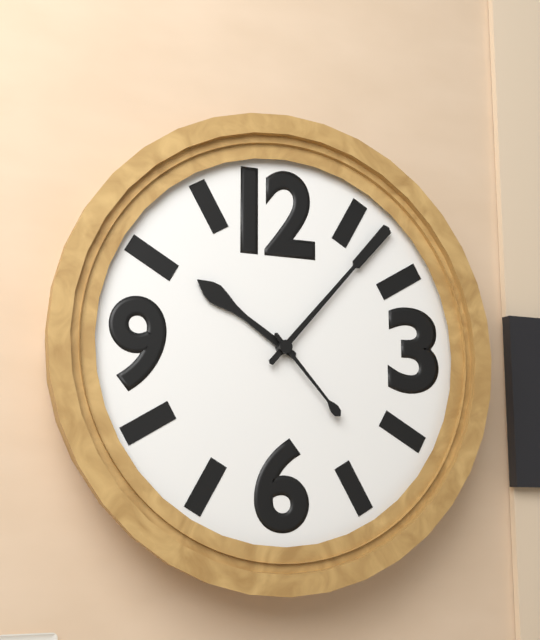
10:07:23
